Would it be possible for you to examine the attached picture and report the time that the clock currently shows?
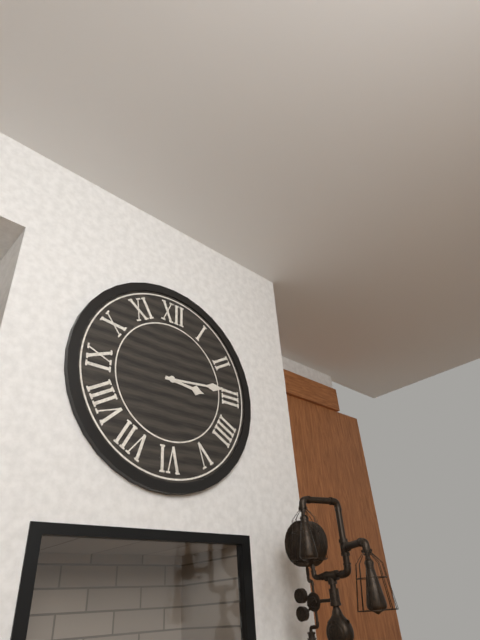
3:14
